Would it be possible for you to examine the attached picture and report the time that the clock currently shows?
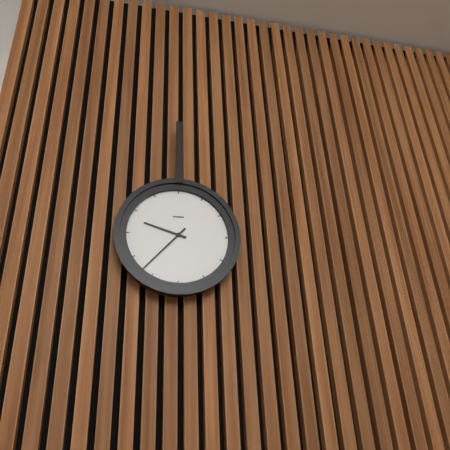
9:37
